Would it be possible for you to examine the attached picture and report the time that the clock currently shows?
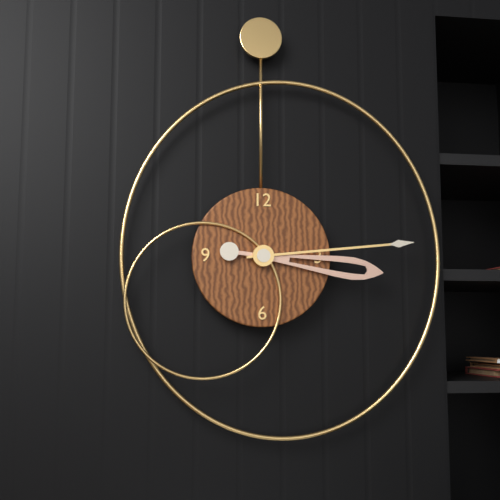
3:14
